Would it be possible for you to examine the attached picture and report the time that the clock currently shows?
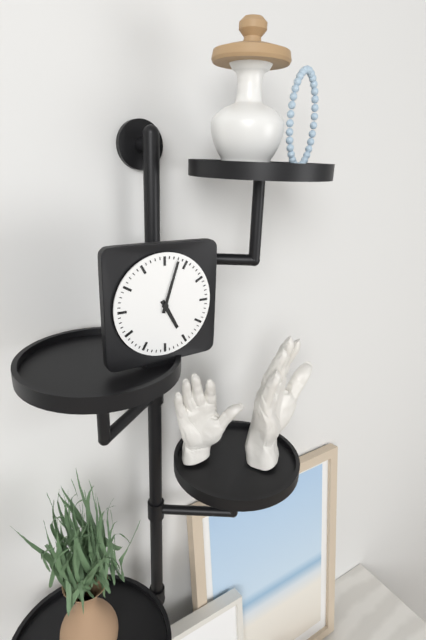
5:03
